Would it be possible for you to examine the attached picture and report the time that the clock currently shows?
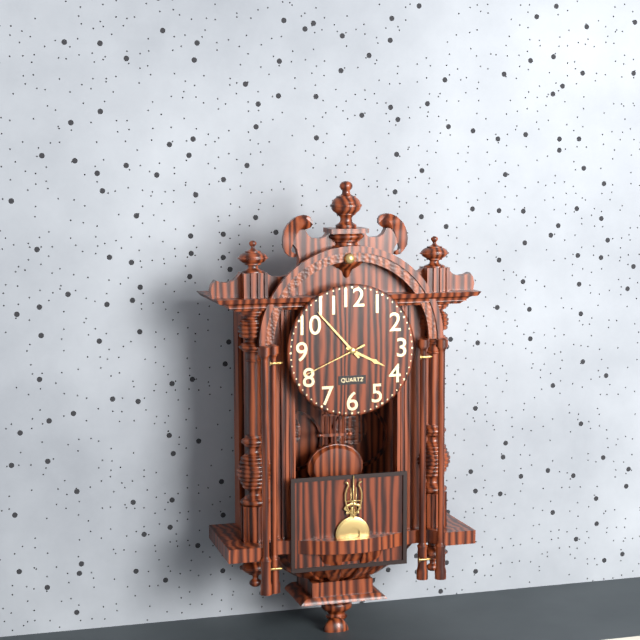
3:53:41
